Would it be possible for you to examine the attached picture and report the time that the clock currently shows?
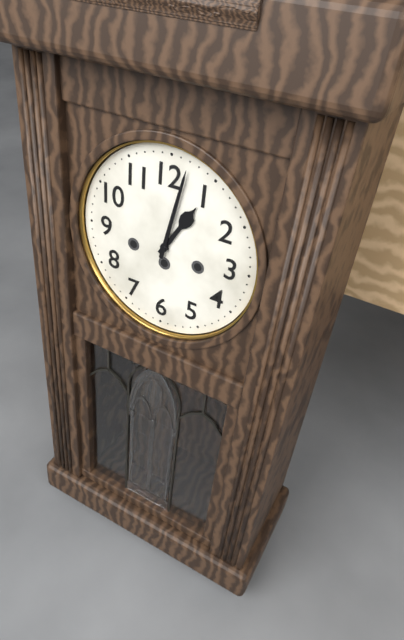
1:02
